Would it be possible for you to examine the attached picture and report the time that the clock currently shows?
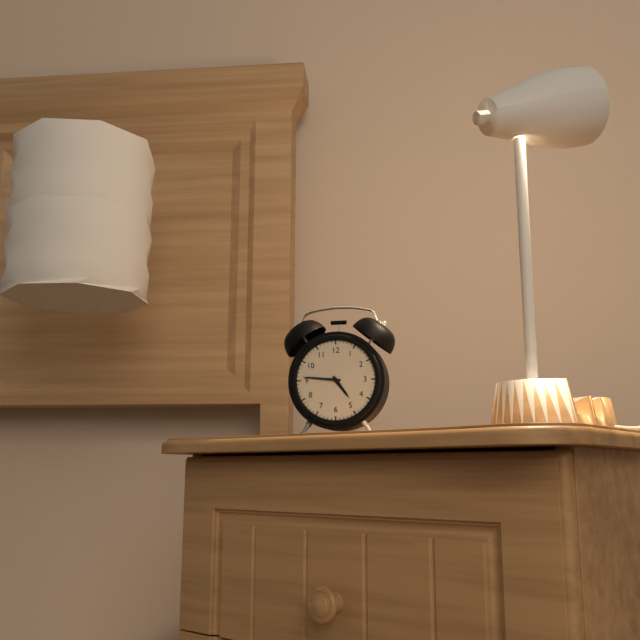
4:46
